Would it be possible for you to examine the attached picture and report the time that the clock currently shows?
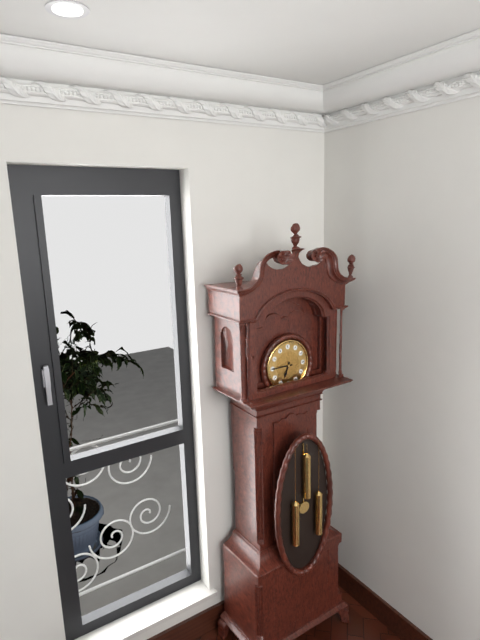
6:45
